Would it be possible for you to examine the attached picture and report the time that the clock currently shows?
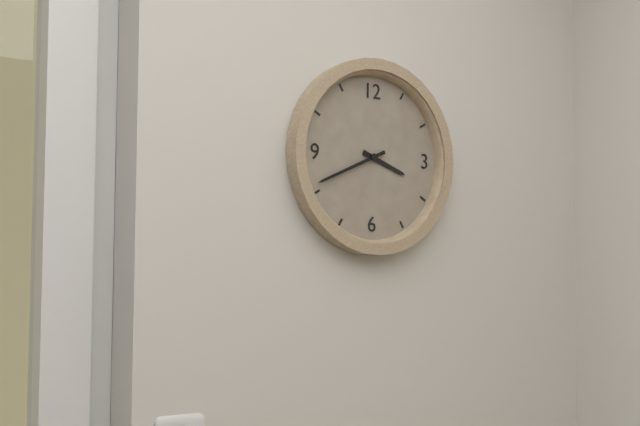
3:41
